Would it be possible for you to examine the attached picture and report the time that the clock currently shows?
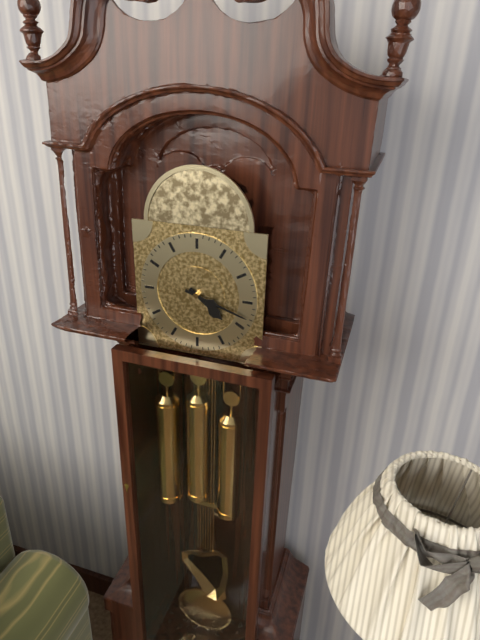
4:18
